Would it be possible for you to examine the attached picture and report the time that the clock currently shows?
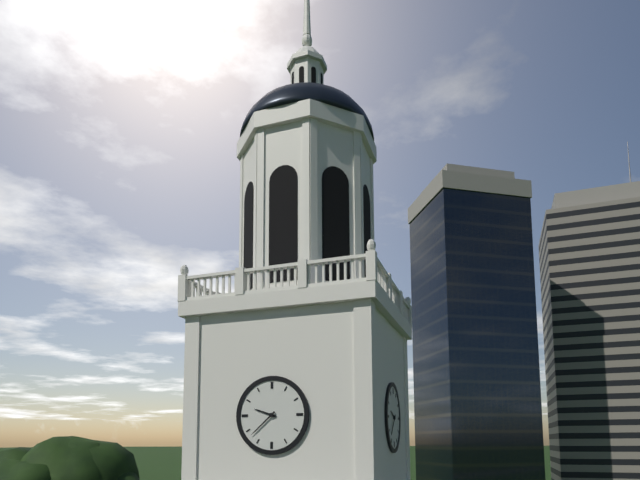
9:38
